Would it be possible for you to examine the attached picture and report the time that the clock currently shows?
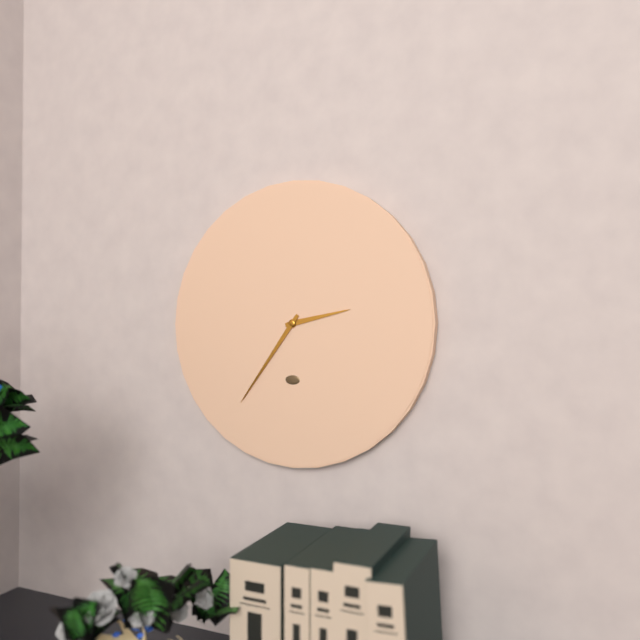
2:36
